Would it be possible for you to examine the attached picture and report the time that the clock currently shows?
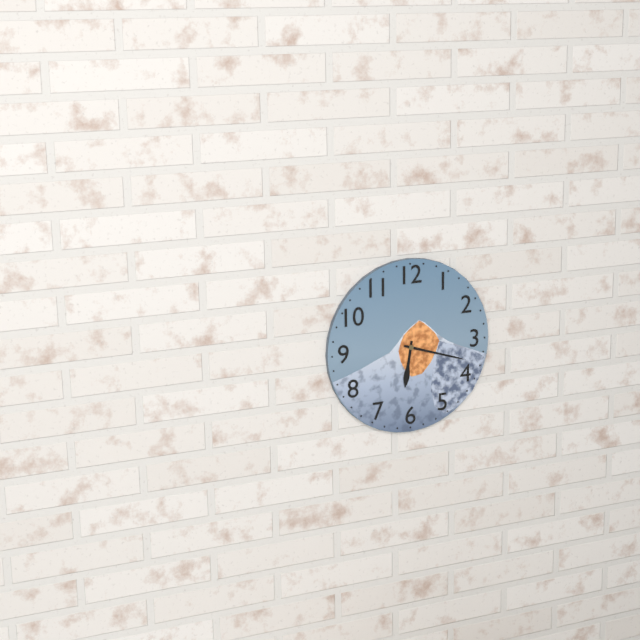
6:18
